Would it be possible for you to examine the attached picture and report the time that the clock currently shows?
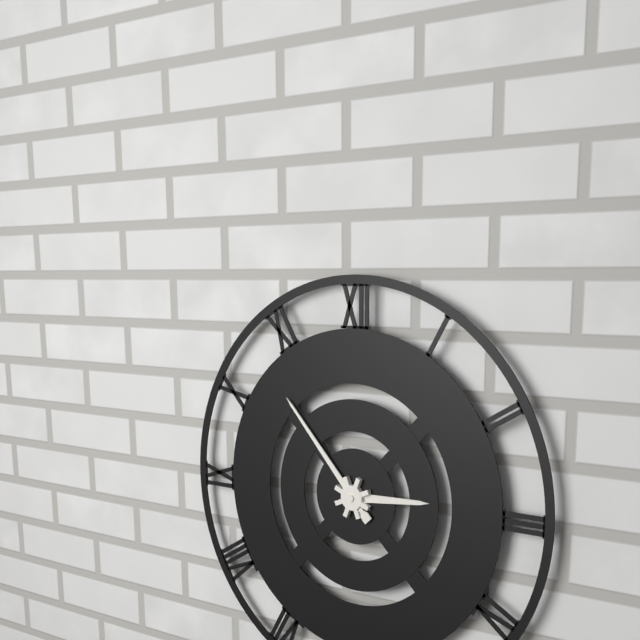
2:53
